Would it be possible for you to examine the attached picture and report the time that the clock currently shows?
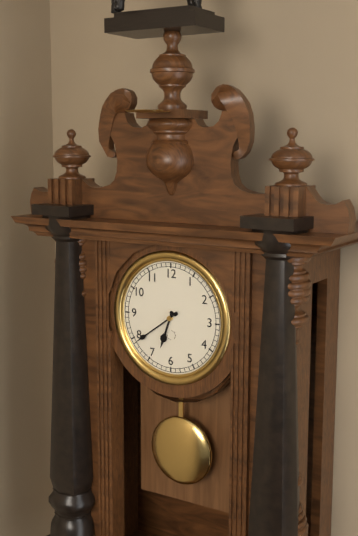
6:39
